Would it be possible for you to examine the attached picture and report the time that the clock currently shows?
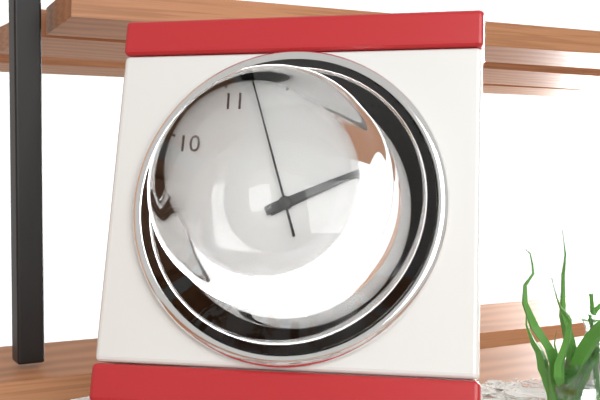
2:11:57
